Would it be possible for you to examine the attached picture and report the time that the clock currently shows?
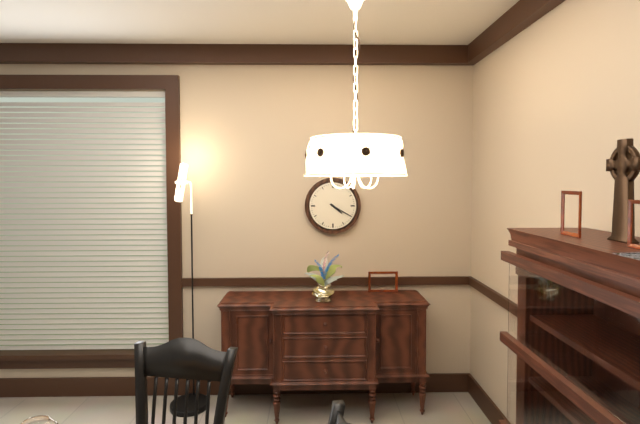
4:20
